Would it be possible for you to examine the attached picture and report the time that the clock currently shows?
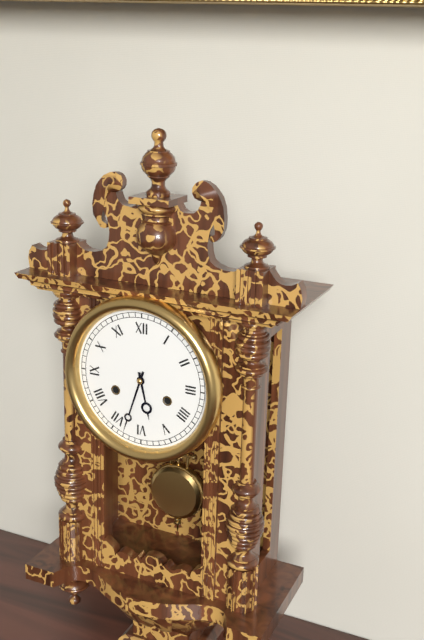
5:33
